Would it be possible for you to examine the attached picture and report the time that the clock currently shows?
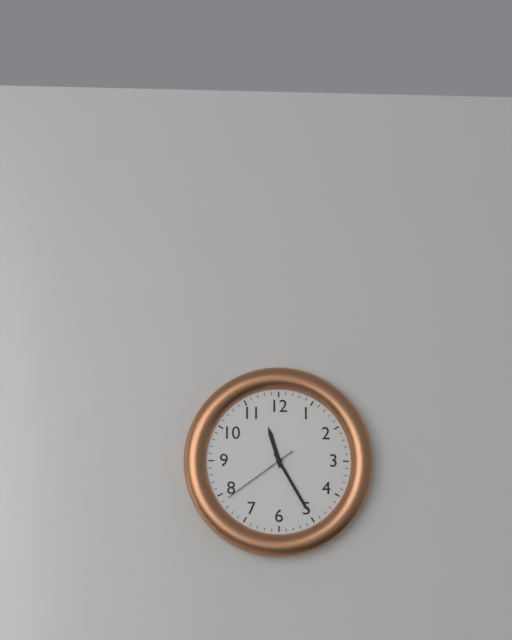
11:25:39
